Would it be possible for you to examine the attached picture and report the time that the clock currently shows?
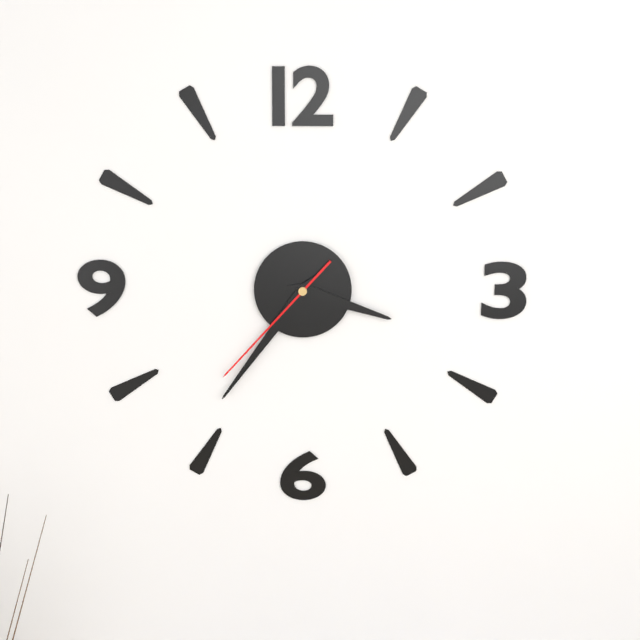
3:36:37
